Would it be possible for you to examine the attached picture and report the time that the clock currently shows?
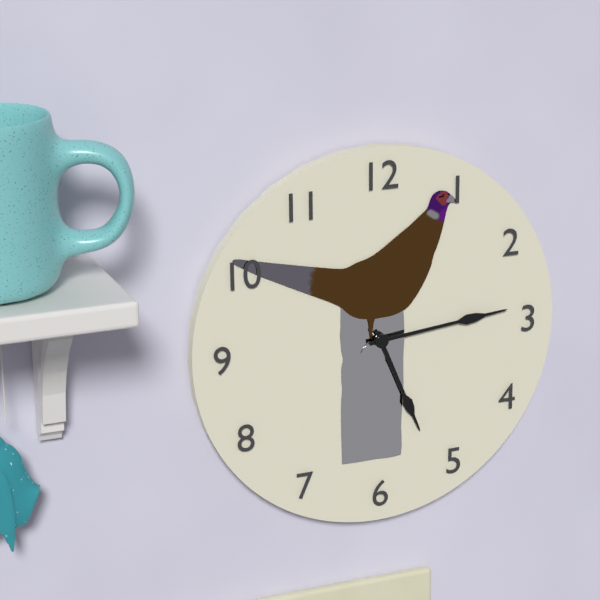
5:14
